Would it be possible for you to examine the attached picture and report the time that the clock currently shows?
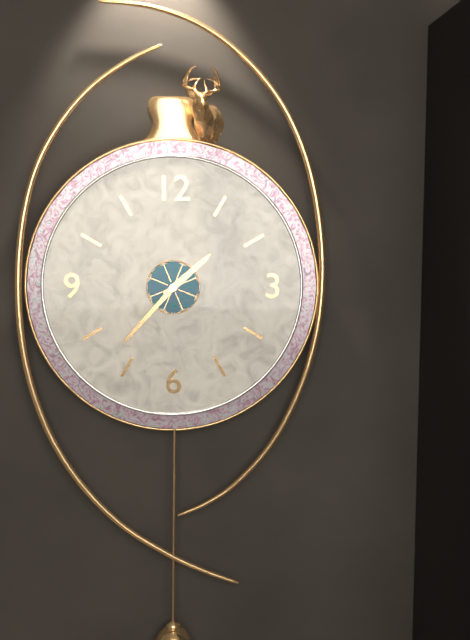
1:37
